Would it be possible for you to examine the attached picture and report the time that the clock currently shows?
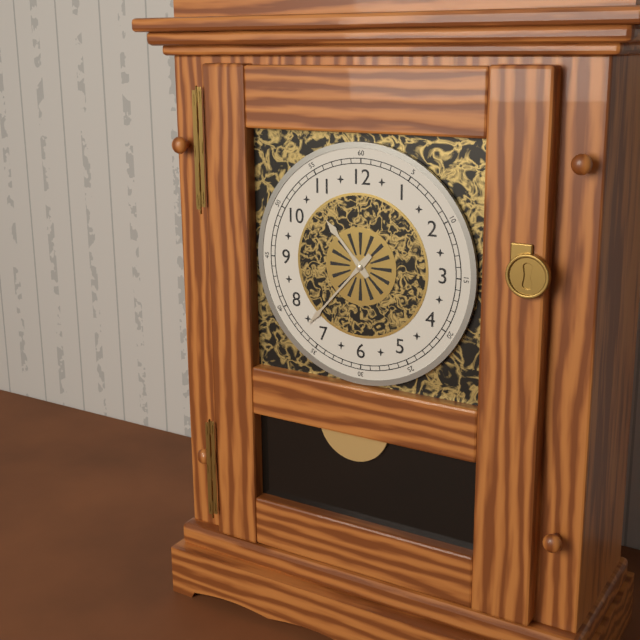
10:37
